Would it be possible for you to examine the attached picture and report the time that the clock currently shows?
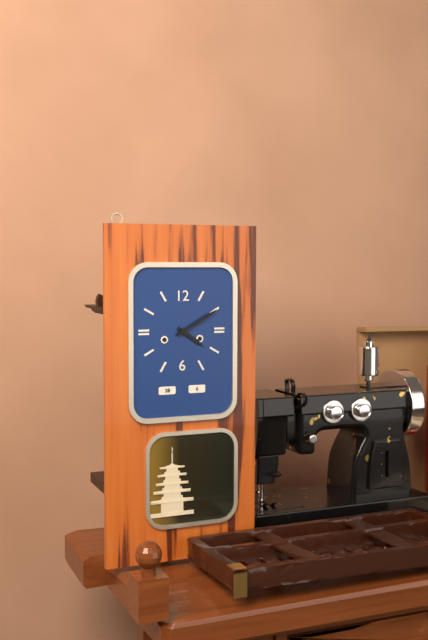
4:10
